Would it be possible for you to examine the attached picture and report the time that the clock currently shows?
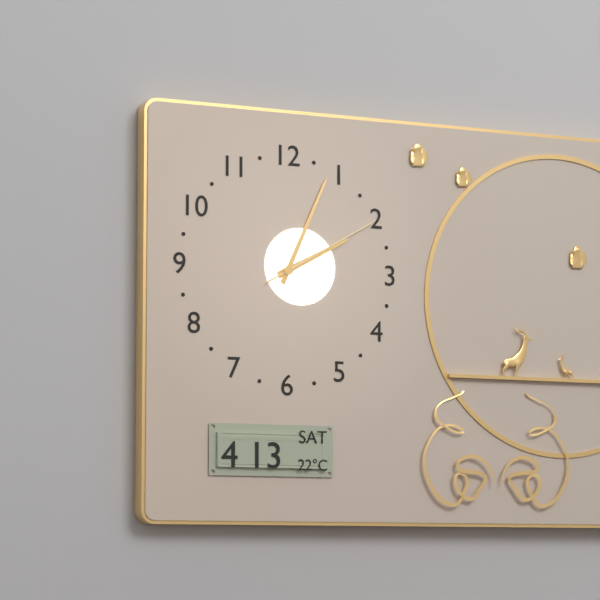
2:04:10
